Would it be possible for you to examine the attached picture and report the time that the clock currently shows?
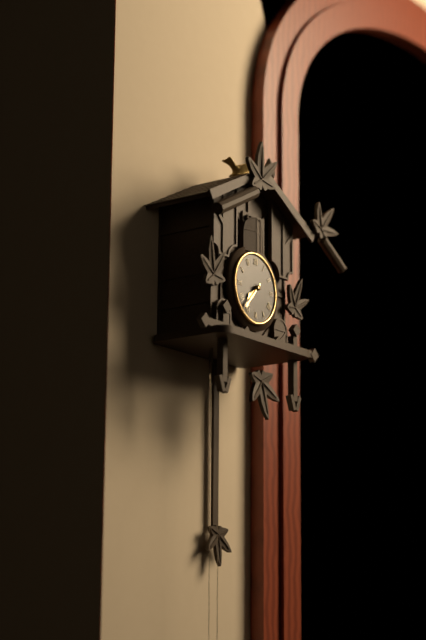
7:37
